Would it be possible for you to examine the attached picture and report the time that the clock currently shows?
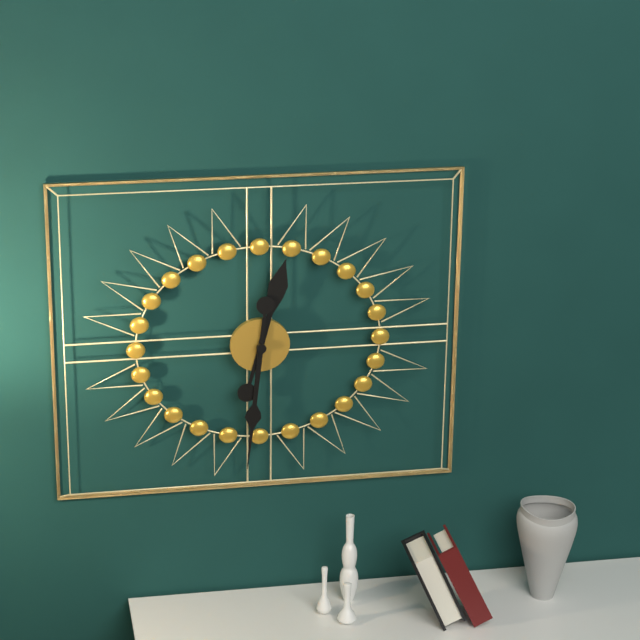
12:31
